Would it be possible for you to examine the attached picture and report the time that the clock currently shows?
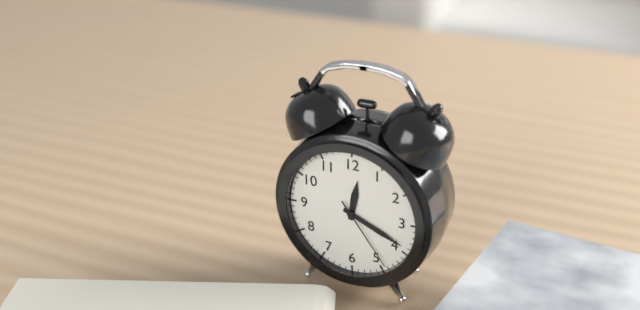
12:19:24
